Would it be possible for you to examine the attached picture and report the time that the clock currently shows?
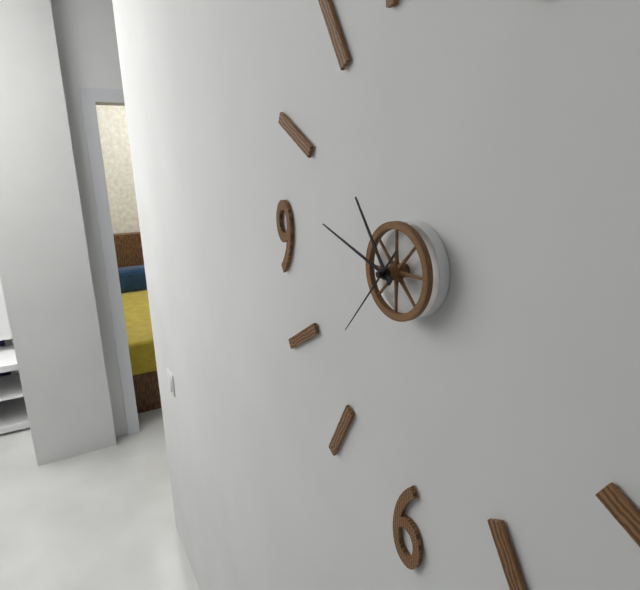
10:48:37
